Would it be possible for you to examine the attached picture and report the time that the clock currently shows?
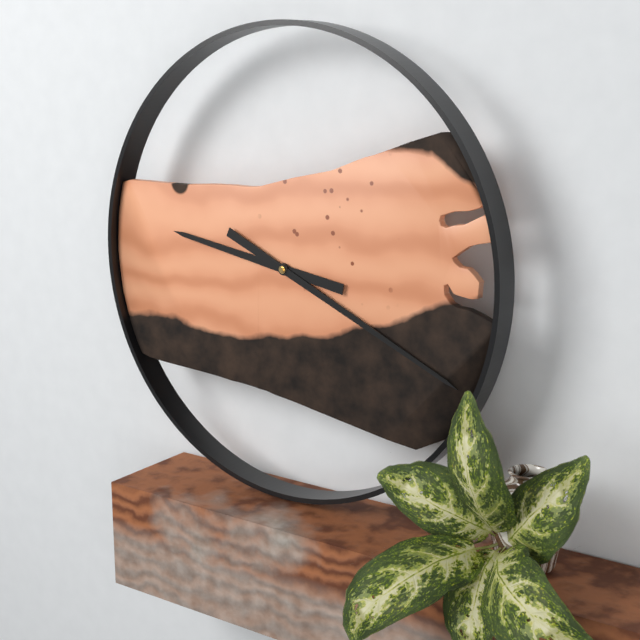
9:19
